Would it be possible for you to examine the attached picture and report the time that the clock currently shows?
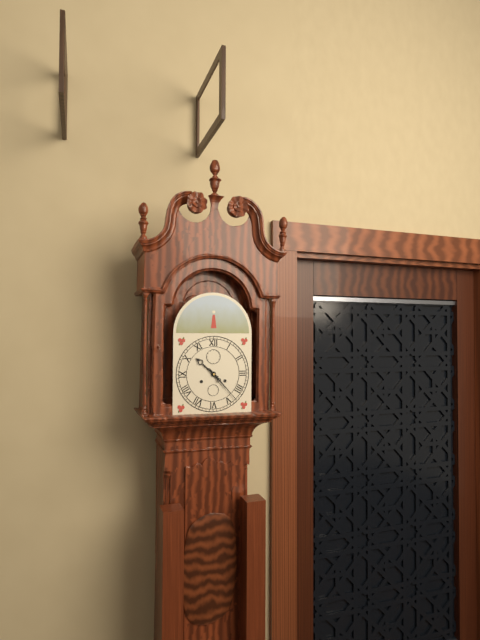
10:23
